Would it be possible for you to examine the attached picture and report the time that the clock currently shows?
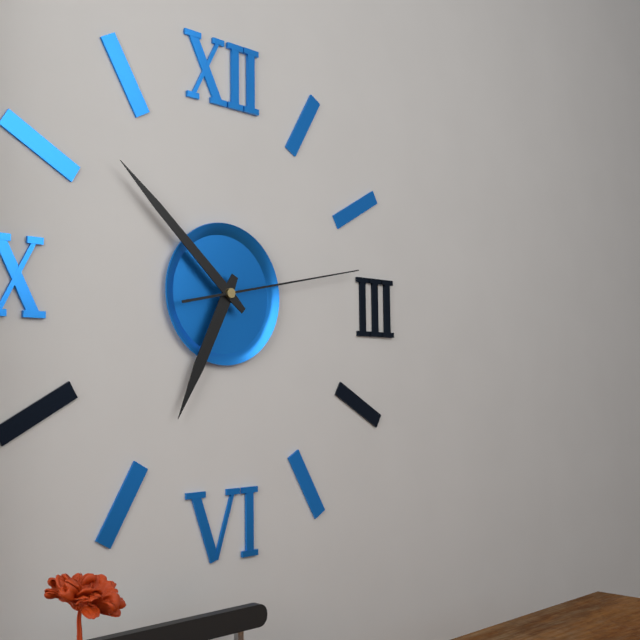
6:52:13
